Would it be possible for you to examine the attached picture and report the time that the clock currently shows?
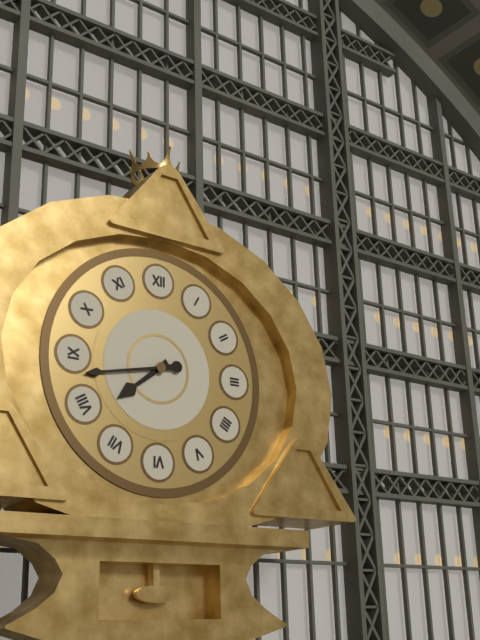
7:43
